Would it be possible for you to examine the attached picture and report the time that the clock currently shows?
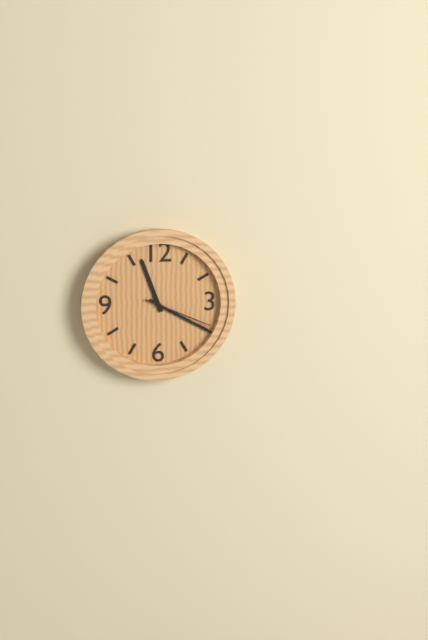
11:20:19
